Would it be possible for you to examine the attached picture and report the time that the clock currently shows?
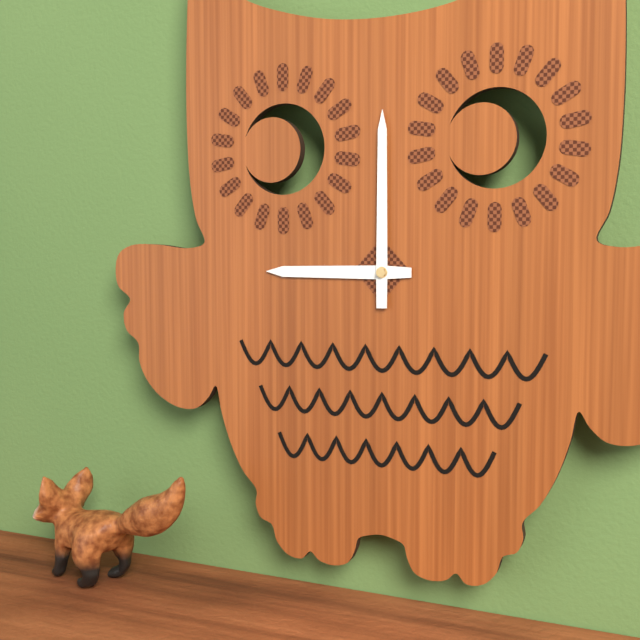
9:00
